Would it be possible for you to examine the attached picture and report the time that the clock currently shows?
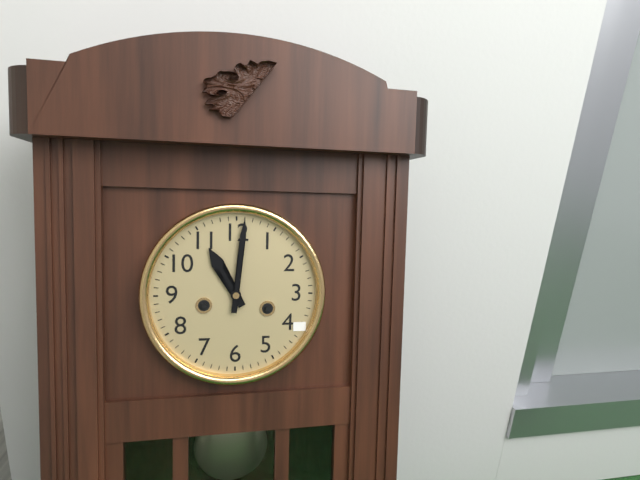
11:01
